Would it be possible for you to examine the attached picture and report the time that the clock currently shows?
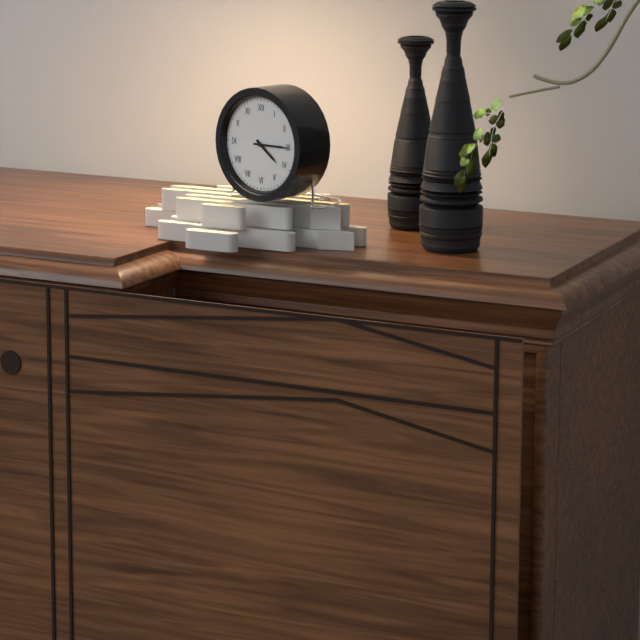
4:15
